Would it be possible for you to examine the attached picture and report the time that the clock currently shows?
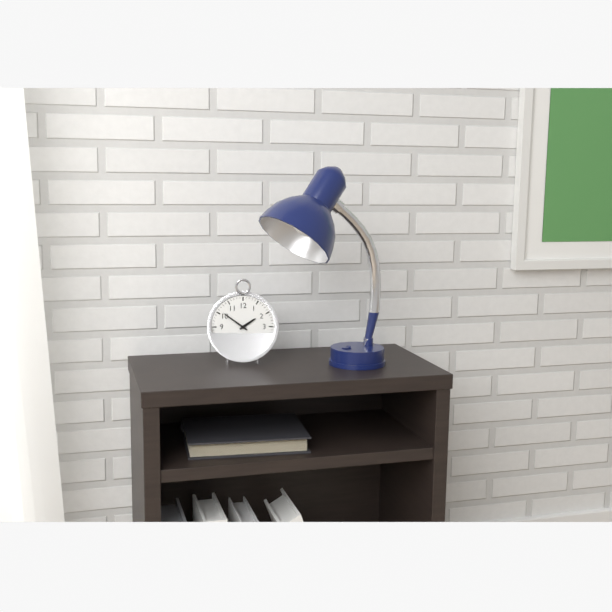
1:51
